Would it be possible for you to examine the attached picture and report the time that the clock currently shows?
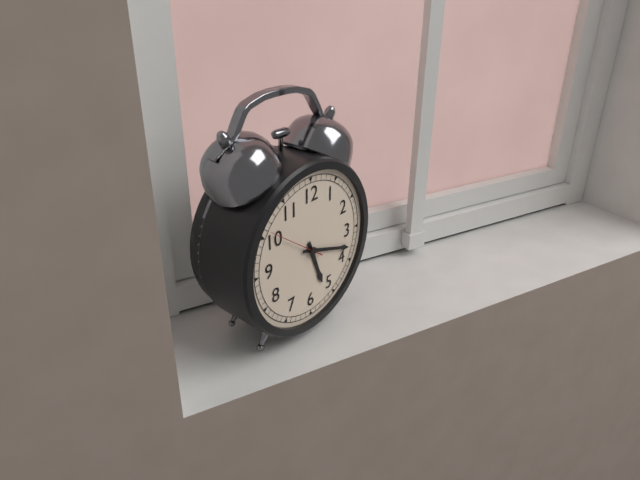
5:18:51
